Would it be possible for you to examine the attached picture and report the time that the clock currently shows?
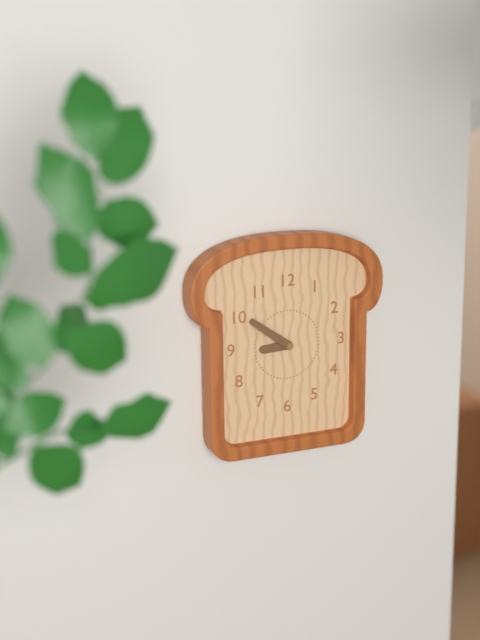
8:51
